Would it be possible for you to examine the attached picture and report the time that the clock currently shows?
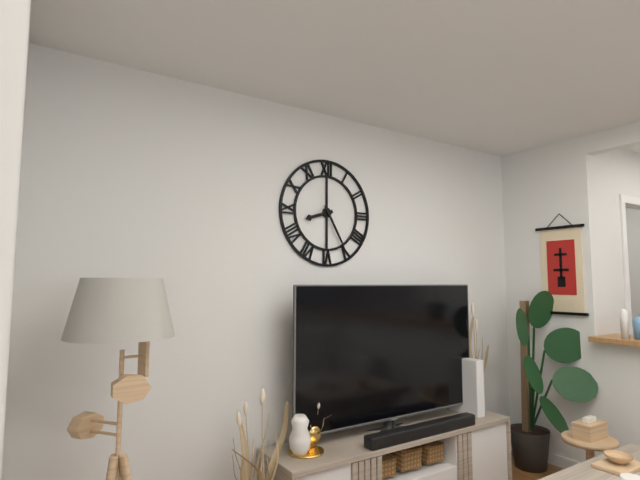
8:25
